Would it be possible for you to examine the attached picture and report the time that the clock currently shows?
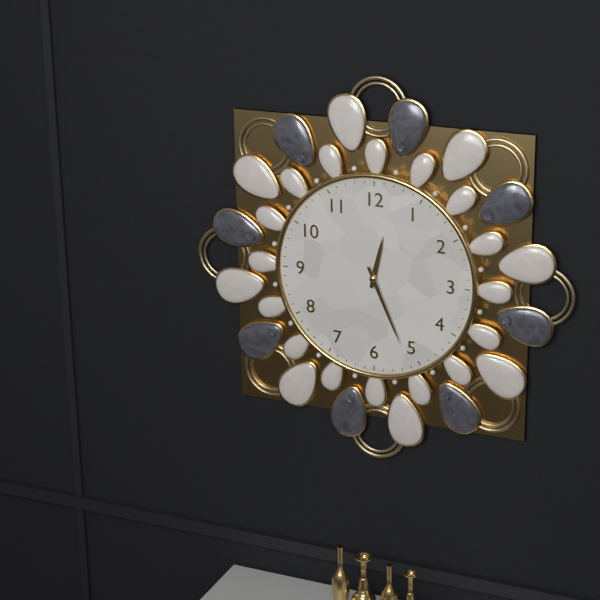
12:26
